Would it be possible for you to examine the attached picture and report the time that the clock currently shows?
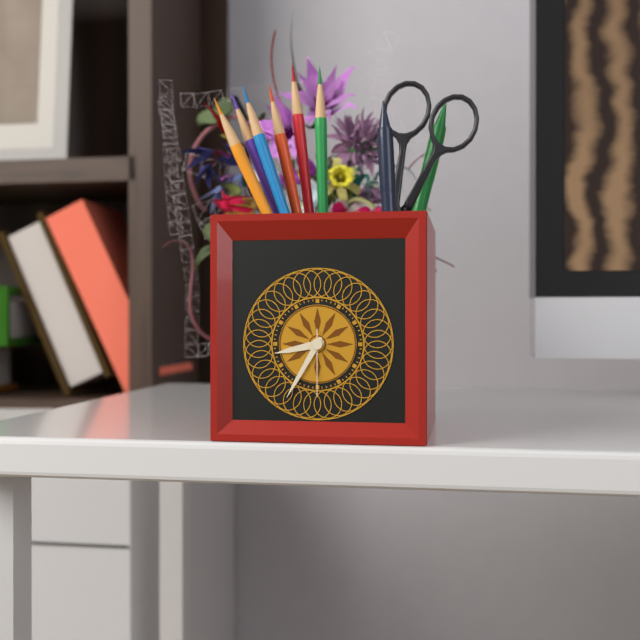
8:35:30
